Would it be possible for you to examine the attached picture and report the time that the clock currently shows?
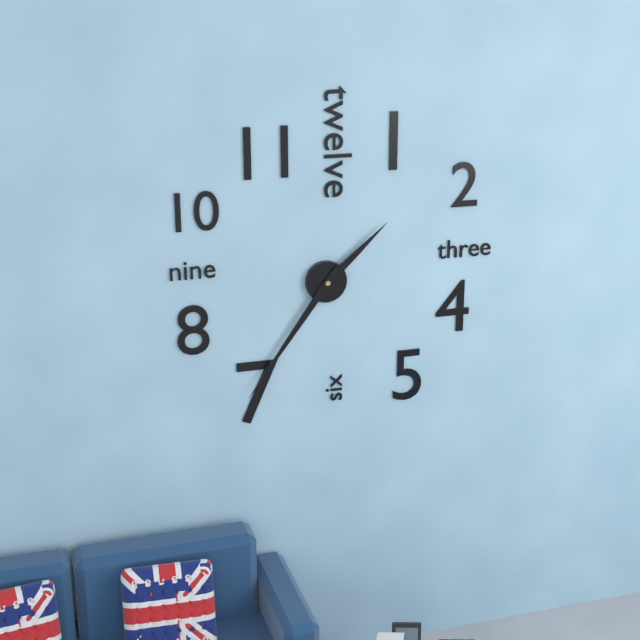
1:36
